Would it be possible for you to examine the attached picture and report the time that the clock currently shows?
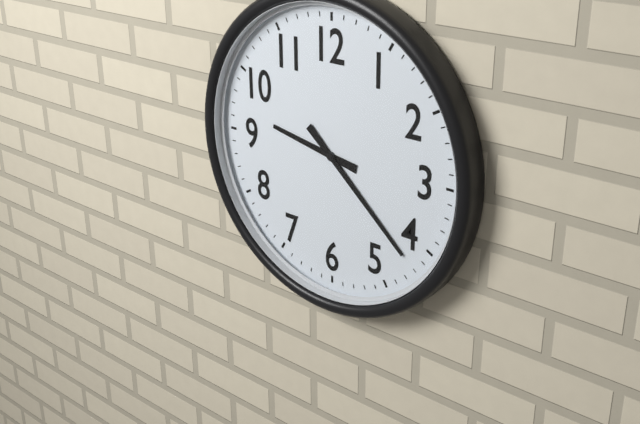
9:22
